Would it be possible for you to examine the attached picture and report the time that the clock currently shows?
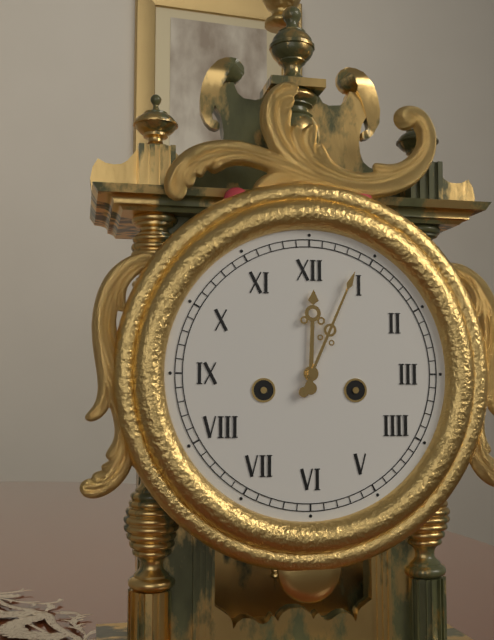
12:04
